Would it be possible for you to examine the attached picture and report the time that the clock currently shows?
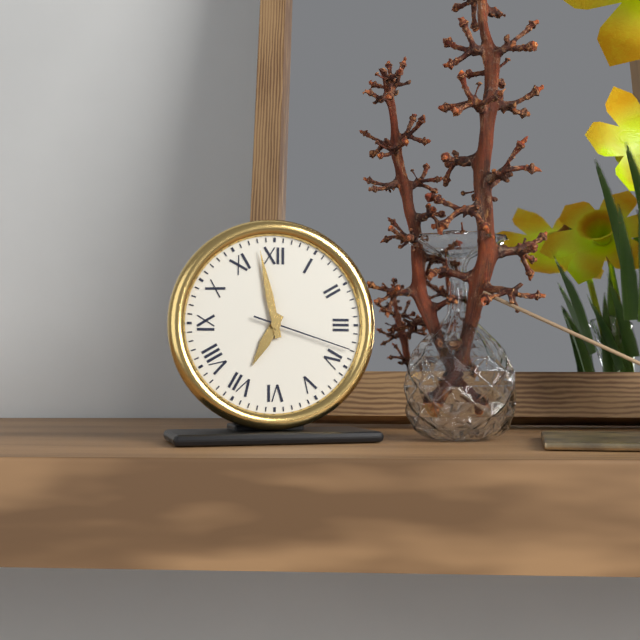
6:58:18
